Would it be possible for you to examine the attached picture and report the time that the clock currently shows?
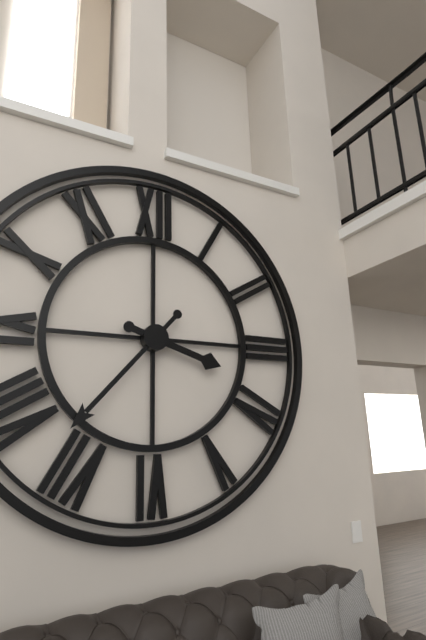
3:37
